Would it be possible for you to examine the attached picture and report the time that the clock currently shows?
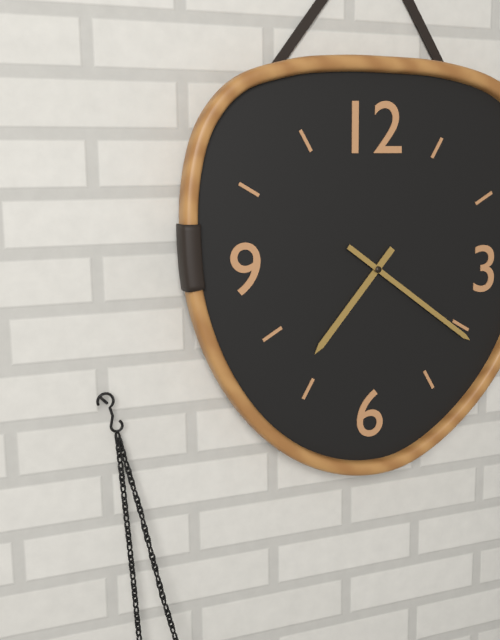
7:21
